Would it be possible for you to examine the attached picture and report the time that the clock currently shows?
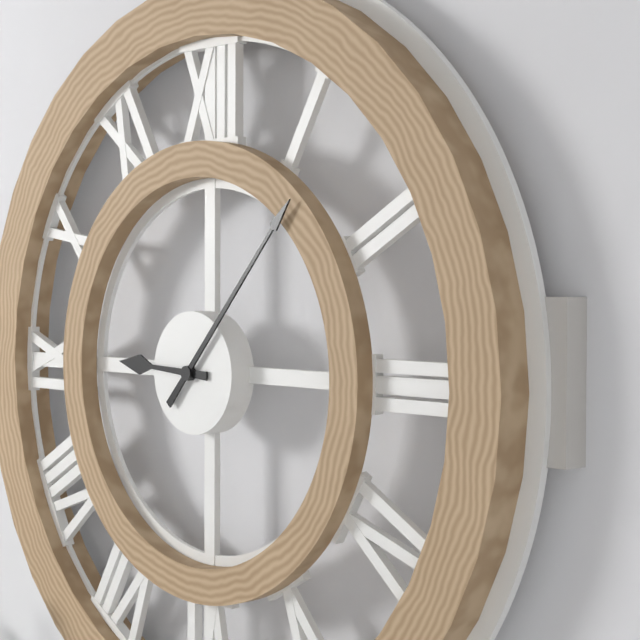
9:07
